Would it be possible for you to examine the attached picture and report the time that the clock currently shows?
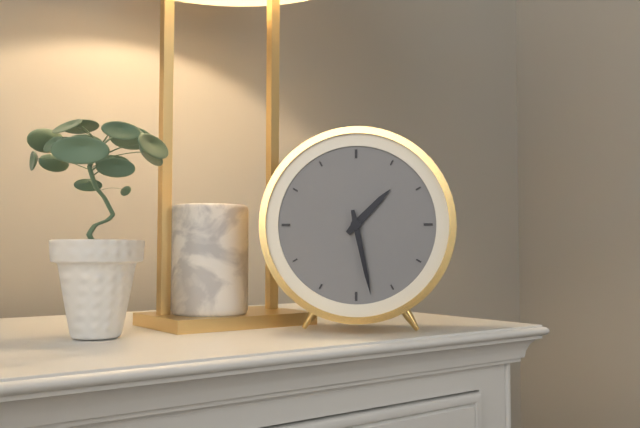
1:28
